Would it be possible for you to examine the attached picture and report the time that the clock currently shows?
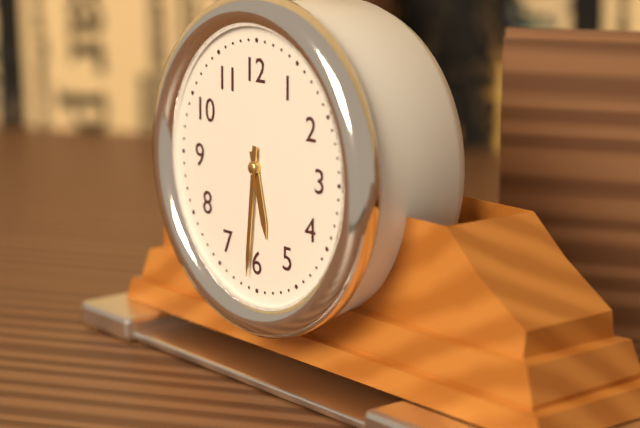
5:31
